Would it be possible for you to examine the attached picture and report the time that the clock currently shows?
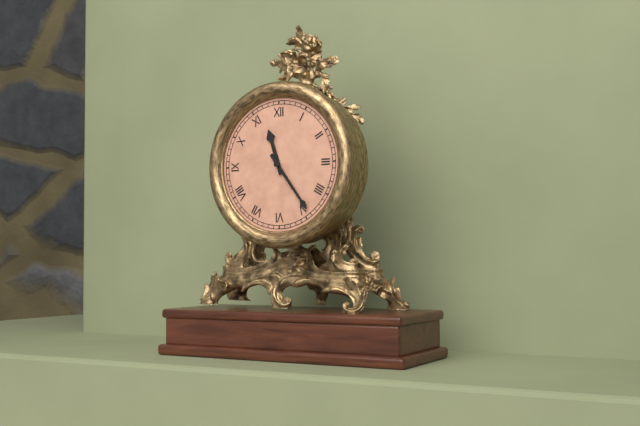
11:24
